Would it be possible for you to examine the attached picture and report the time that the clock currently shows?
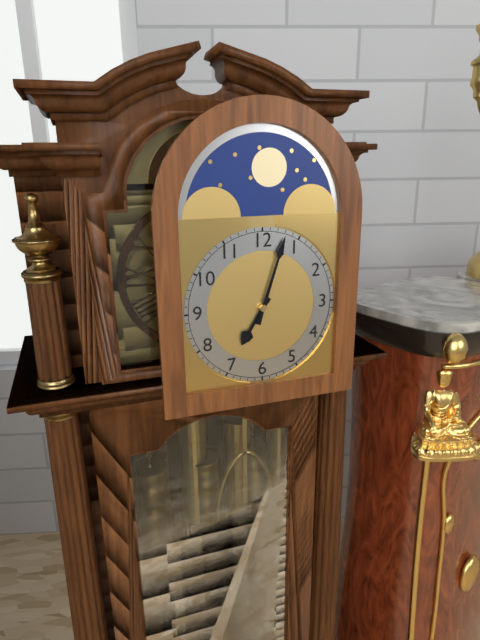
7:03
